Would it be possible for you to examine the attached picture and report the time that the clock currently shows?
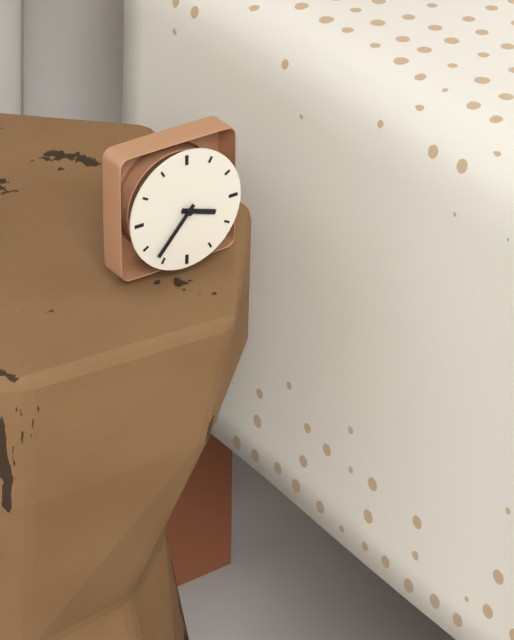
3:37
